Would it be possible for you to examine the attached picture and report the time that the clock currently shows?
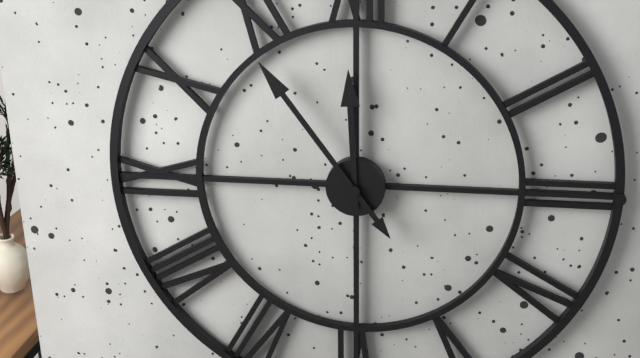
11:54
